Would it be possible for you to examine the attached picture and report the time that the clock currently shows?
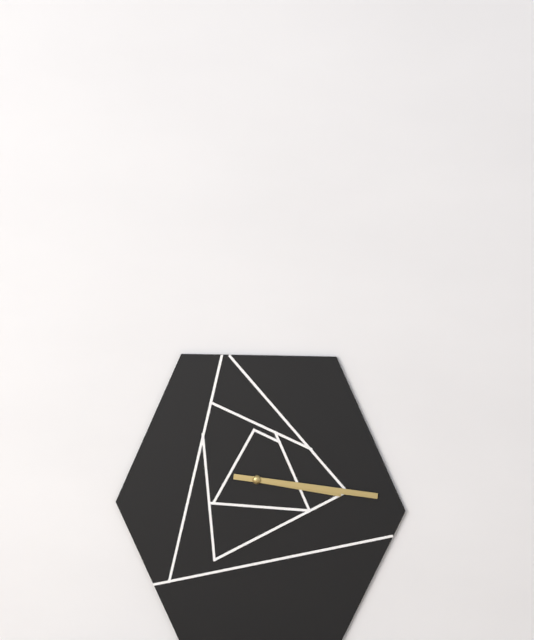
3:16
